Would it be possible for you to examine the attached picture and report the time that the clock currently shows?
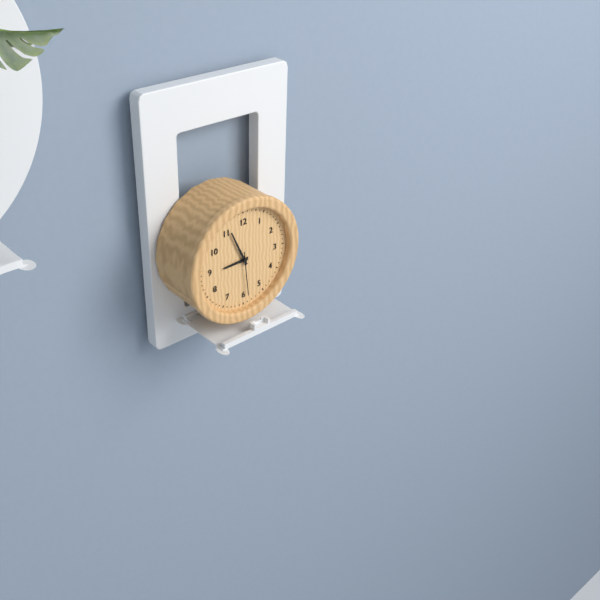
8:56
